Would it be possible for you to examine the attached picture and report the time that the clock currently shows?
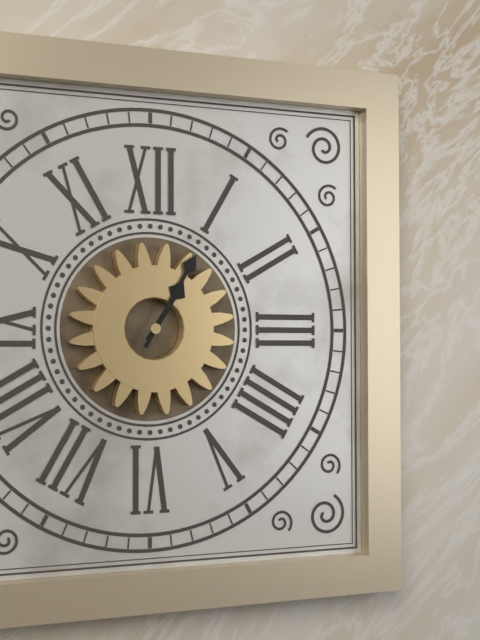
1:05
